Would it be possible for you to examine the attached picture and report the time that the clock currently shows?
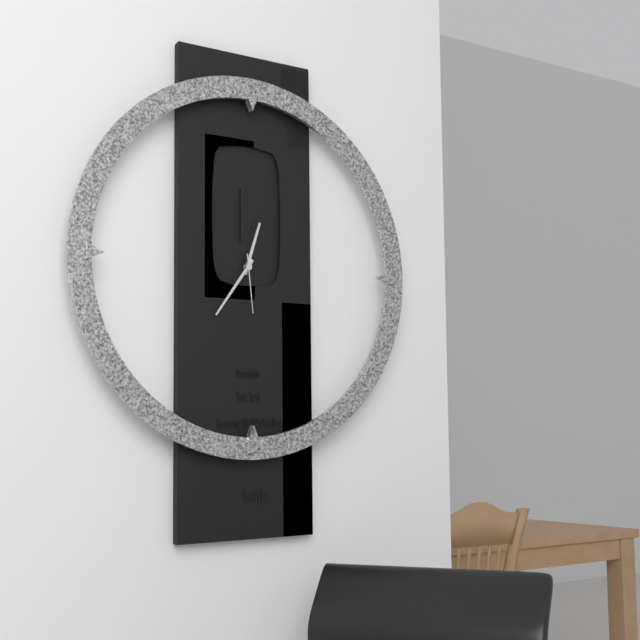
12:36:29
